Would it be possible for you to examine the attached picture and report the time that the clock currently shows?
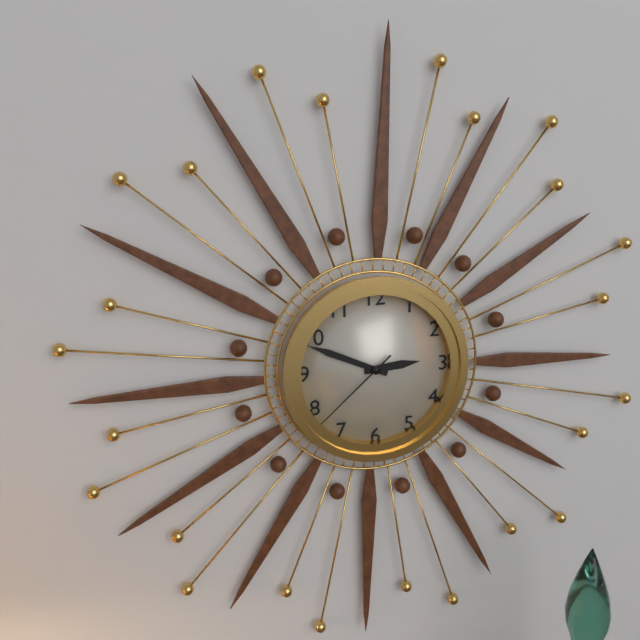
2:49:38
